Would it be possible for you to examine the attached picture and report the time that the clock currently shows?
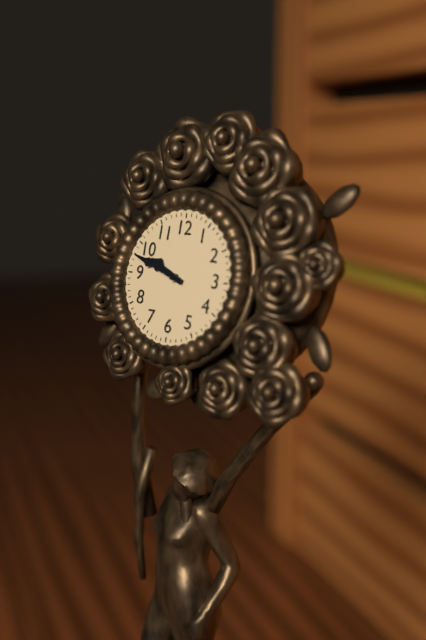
9:48
